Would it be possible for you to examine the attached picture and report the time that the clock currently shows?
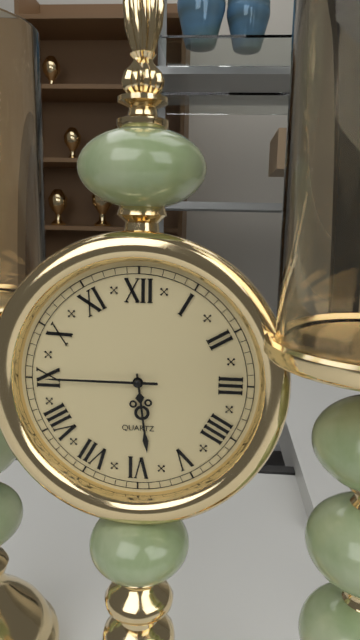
5:45
